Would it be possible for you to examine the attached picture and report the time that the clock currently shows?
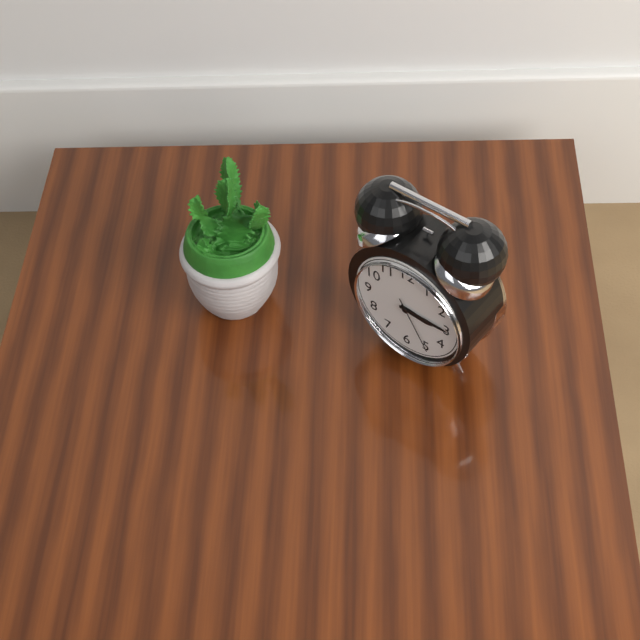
3:15:25
